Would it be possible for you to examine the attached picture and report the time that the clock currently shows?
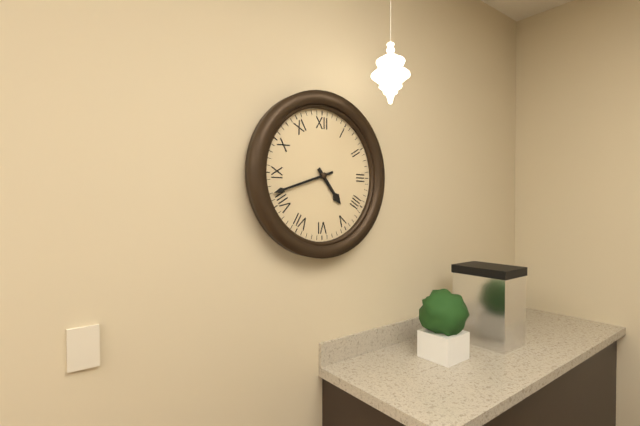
4:42
